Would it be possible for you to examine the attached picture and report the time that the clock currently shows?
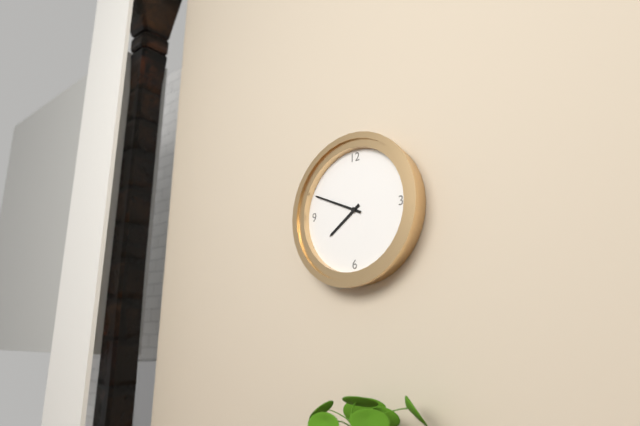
7:49
